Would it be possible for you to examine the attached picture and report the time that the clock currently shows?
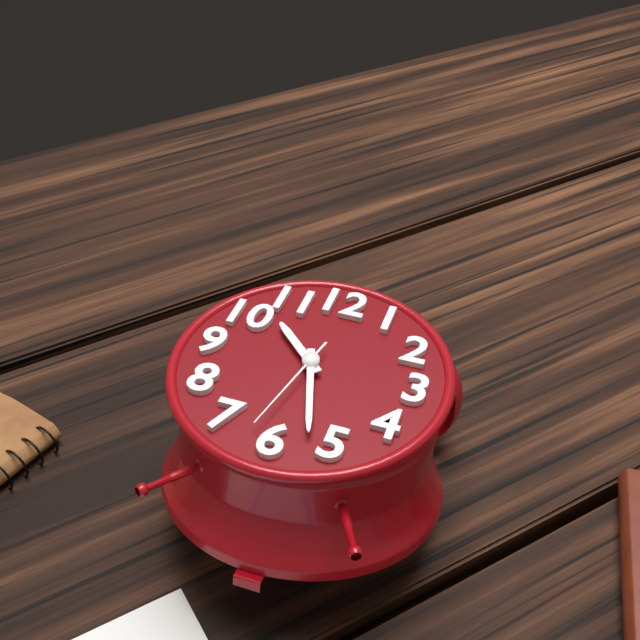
10:27:32
